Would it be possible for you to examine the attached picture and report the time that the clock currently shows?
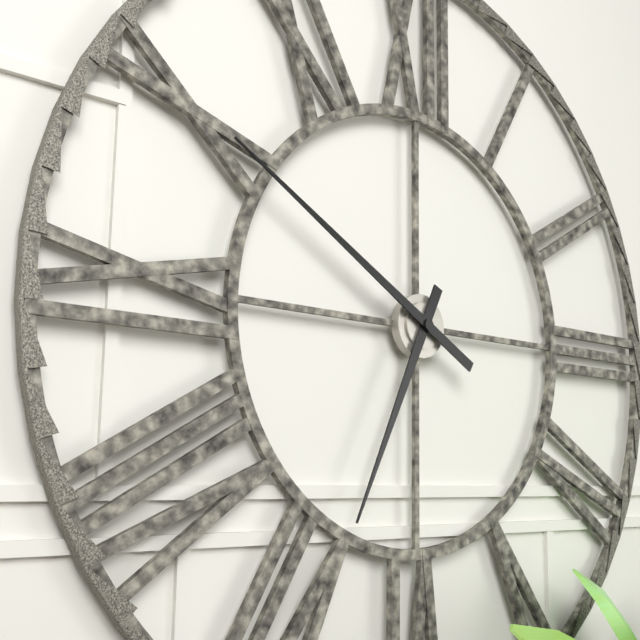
6:50
